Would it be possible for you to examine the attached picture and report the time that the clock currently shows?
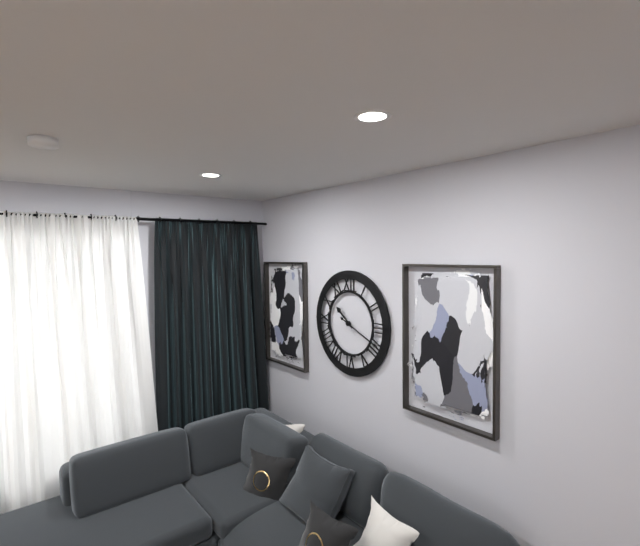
10:19
